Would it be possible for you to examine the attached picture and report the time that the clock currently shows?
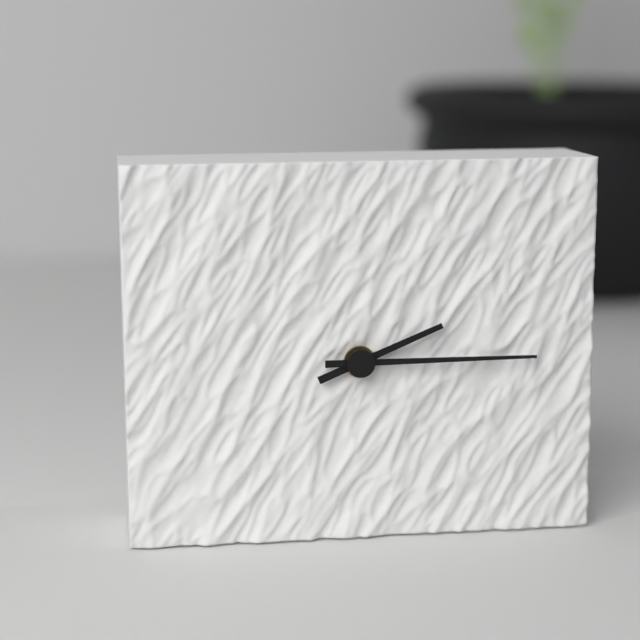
2:15
